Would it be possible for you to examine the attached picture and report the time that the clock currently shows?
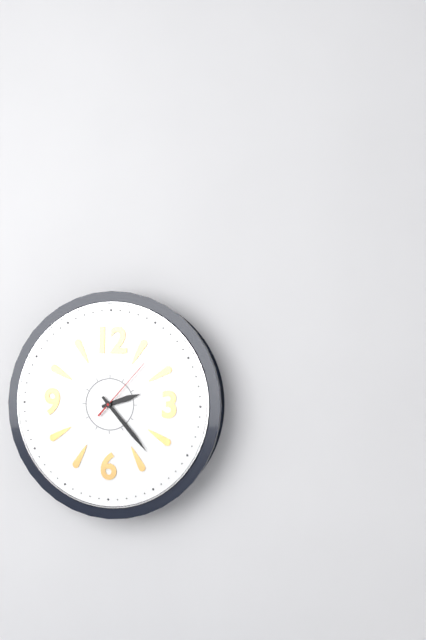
2:23:07
